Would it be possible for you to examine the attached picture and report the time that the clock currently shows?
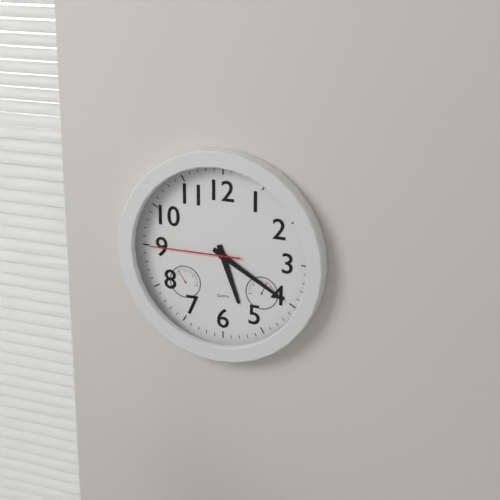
5:20:45
